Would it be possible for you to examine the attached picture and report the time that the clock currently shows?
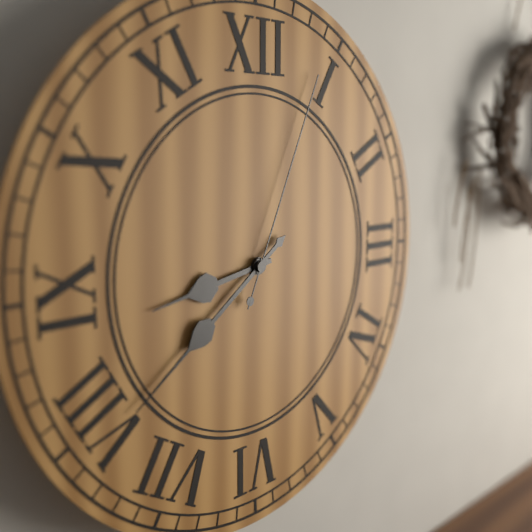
8:39:04
